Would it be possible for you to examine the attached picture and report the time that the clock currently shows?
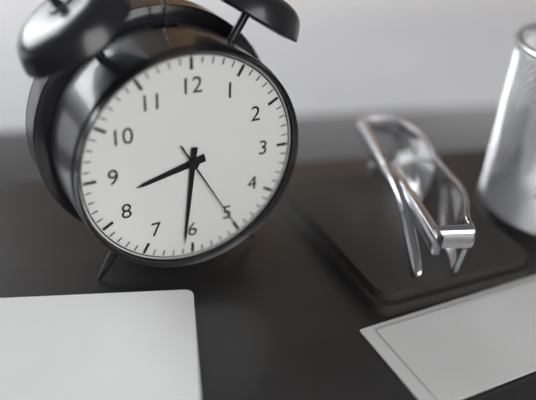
8:31:25
